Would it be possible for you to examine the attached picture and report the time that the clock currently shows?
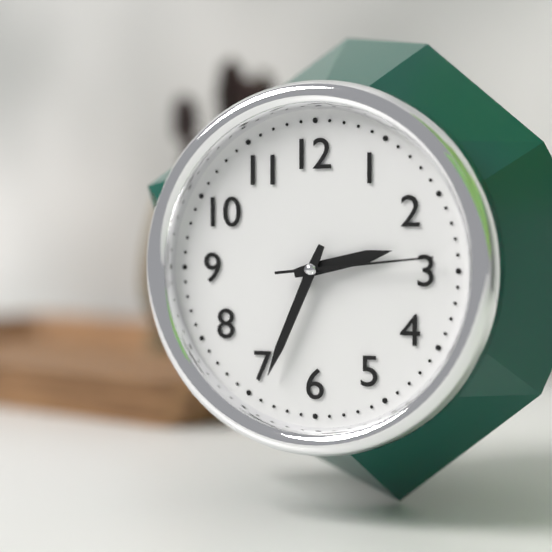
2:34:14
